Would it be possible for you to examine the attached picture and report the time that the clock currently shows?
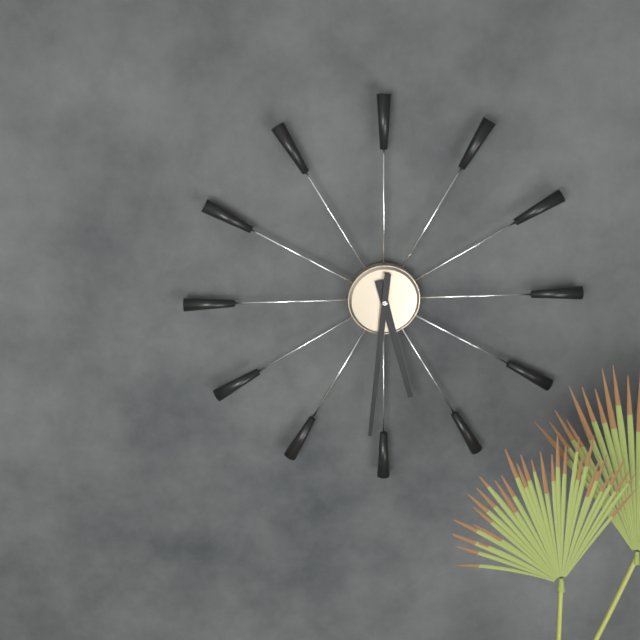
5:31
